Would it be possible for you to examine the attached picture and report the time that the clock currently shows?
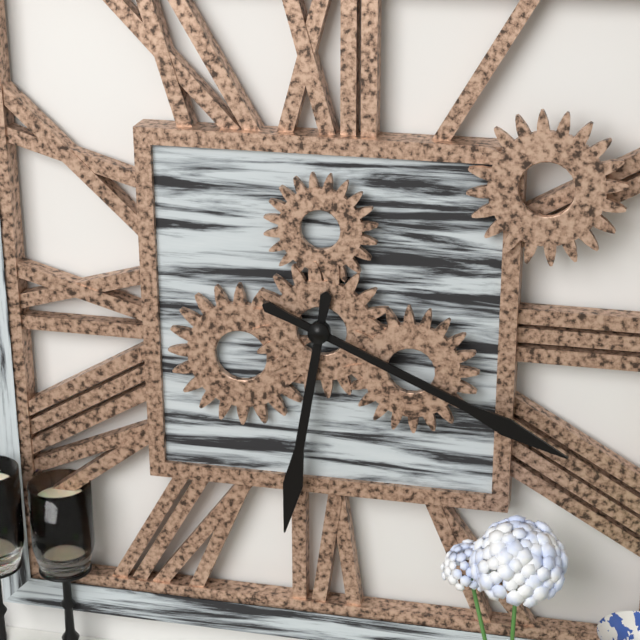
6:19
